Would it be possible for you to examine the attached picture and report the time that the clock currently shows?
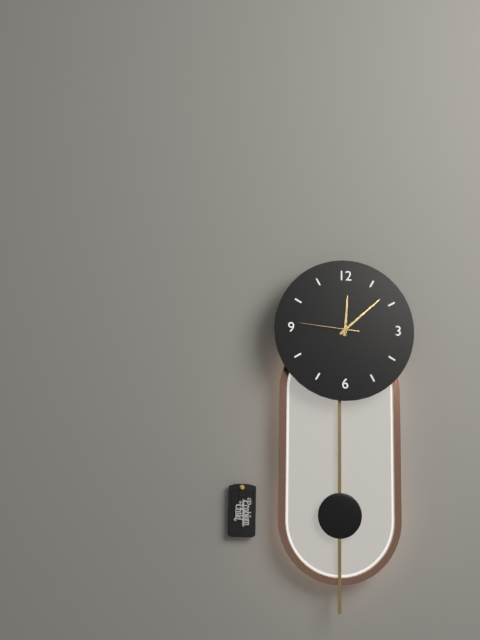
12:08:46
